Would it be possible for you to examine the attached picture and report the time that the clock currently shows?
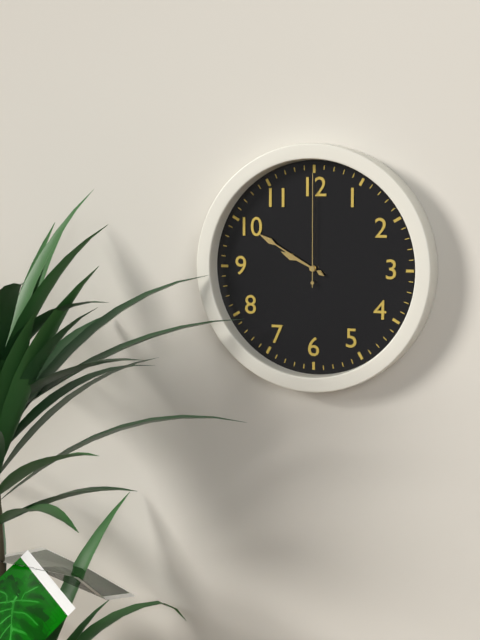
9:50:00
